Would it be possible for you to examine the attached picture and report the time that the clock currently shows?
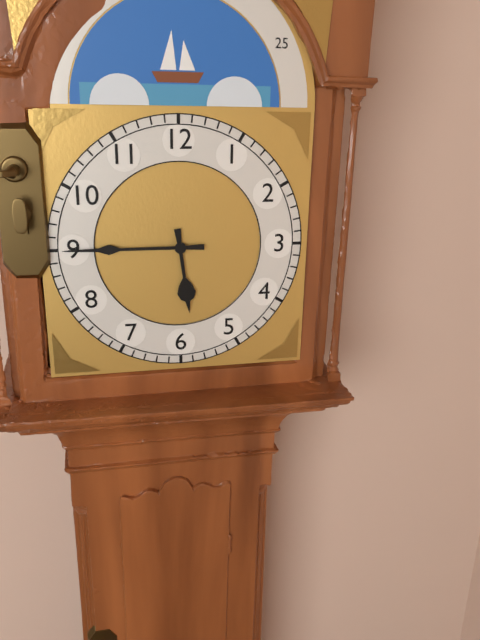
5:45
